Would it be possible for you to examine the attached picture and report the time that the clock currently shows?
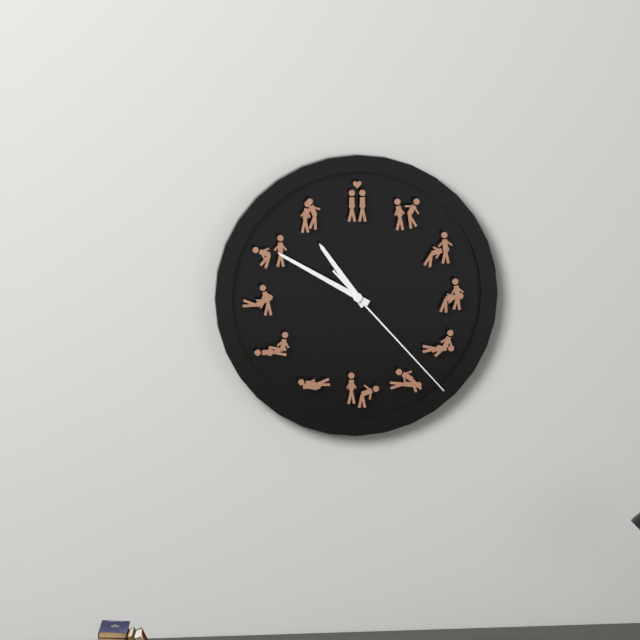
10:50:23
